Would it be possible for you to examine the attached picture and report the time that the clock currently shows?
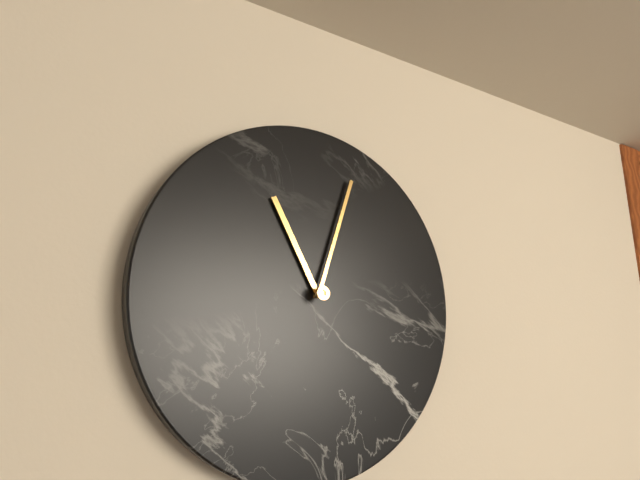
11:03
